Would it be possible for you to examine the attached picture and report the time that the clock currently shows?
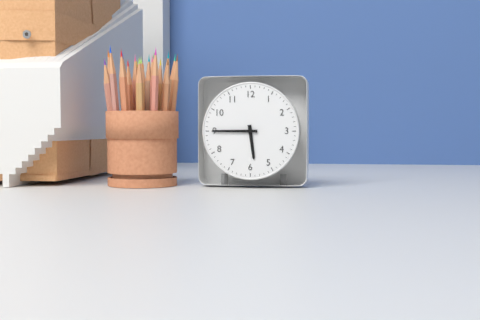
5:45
